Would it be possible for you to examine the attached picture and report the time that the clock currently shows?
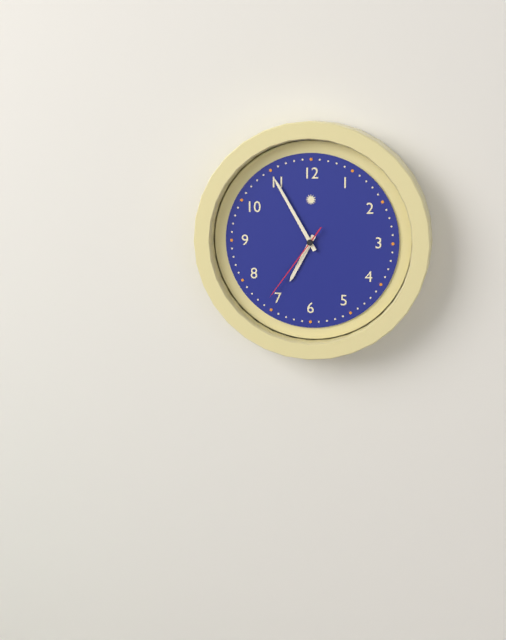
6:55:36
